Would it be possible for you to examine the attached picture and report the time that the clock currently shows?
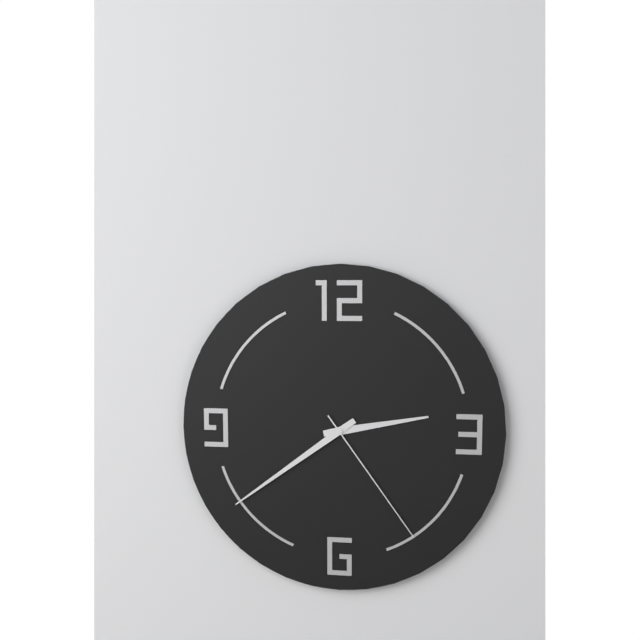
2:39:24
